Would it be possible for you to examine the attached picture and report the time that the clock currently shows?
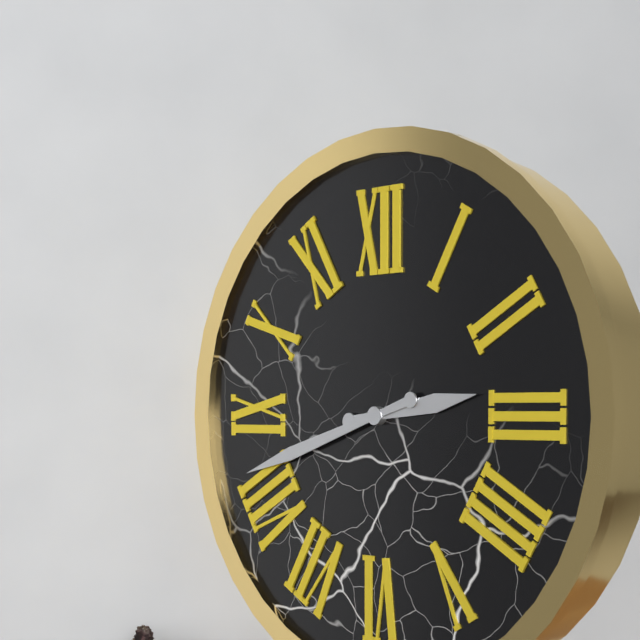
2:42
